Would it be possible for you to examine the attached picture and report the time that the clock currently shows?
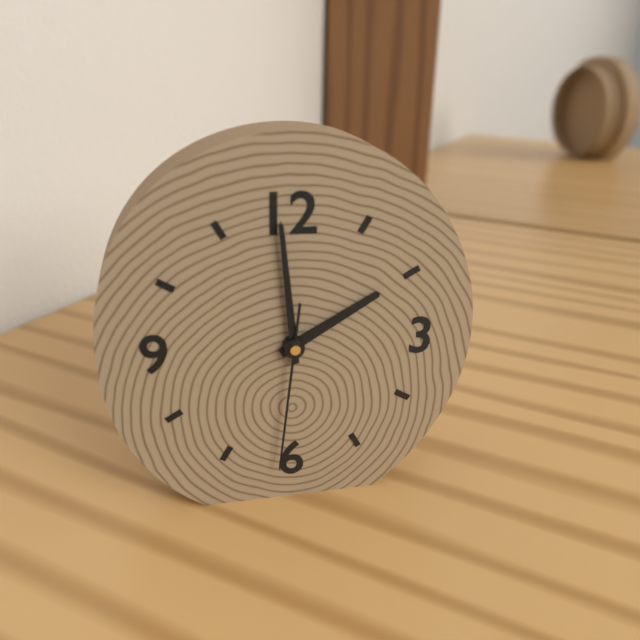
1:59:31
